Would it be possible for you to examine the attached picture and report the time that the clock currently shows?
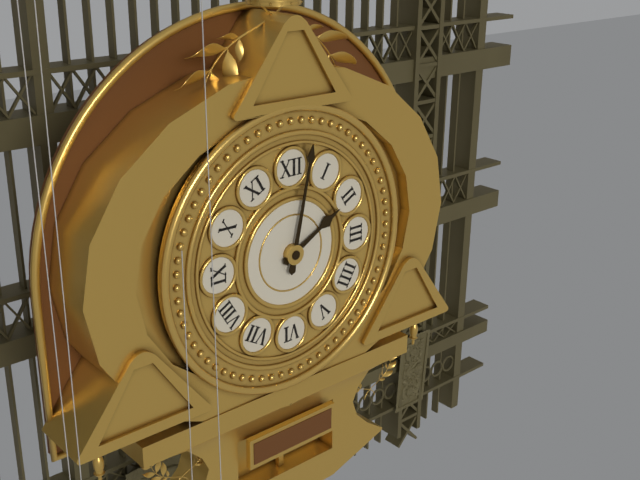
2:02
